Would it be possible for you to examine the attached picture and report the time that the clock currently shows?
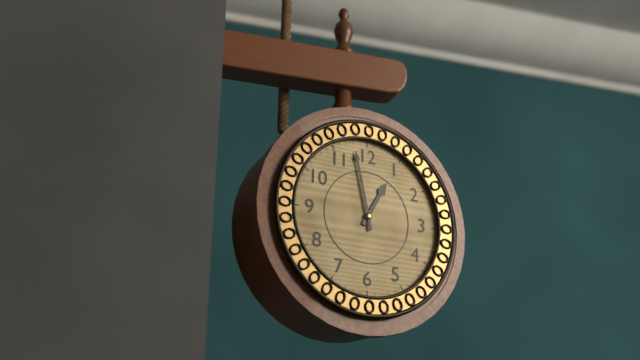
12:58
